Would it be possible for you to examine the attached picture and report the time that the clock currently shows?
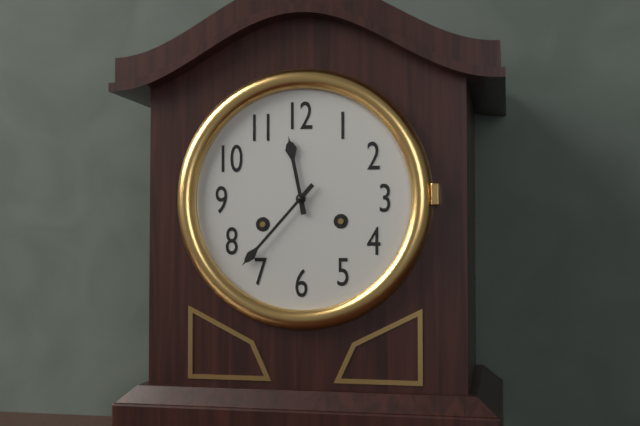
11:37
